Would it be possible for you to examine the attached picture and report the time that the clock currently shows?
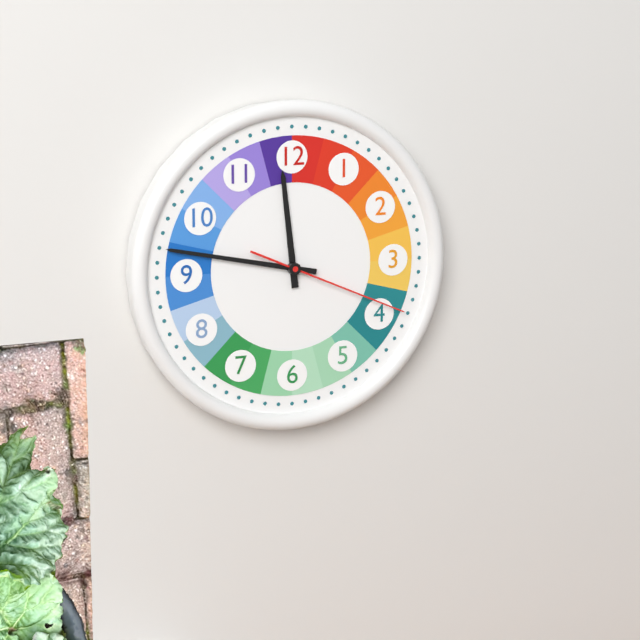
11:47:19
